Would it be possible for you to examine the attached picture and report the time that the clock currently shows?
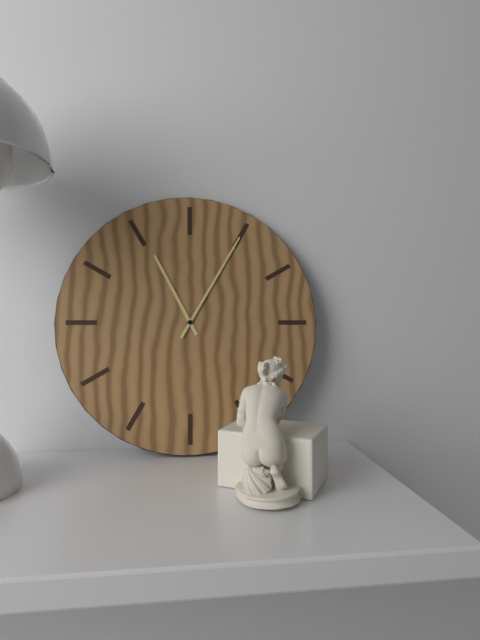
11:05
